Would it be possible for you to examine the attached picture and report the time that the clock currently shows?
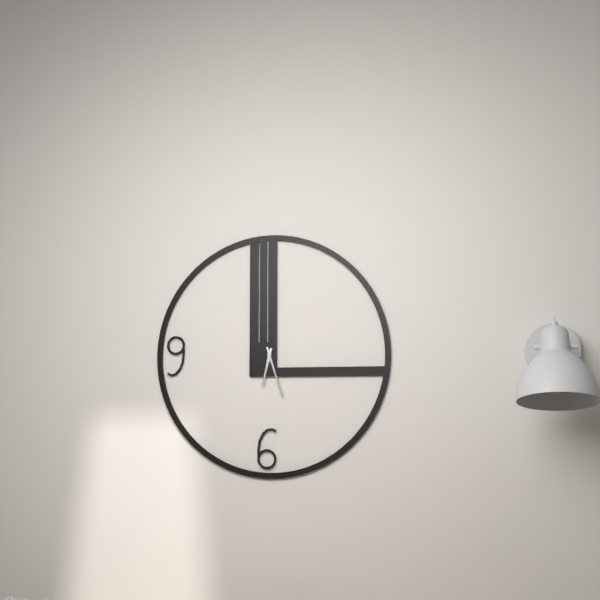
6:27
